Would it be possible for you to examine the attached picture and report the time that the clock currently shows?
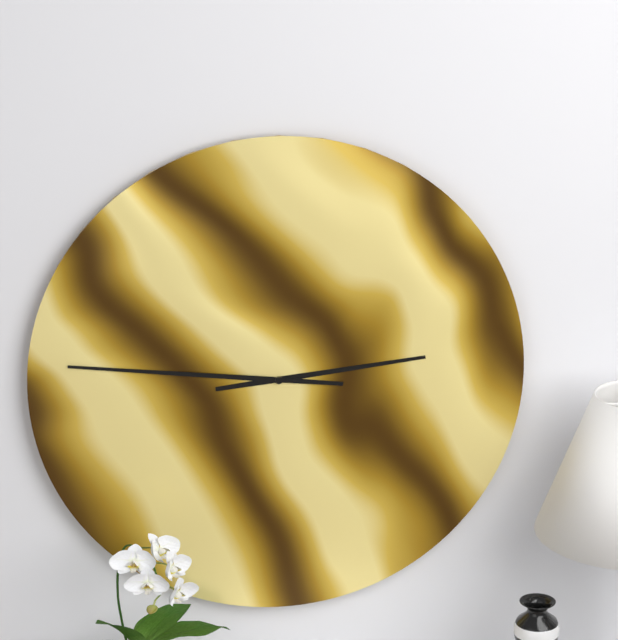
2:46
